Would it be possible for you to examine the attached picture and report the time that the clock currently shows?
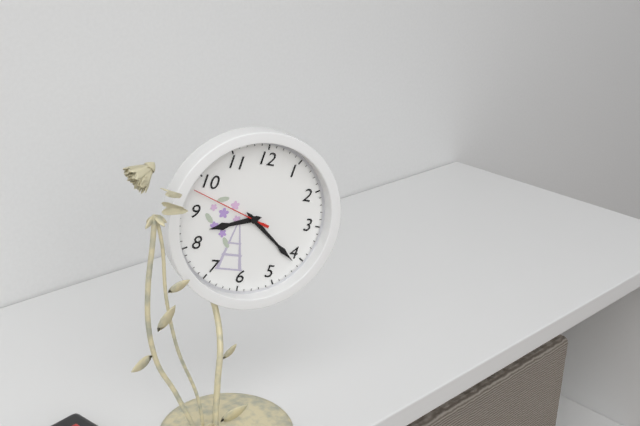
8:21:48
